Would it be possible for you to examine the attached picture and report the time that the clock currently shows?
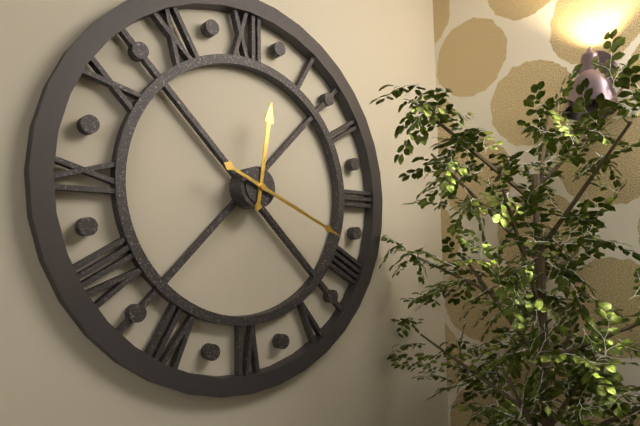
12:19
